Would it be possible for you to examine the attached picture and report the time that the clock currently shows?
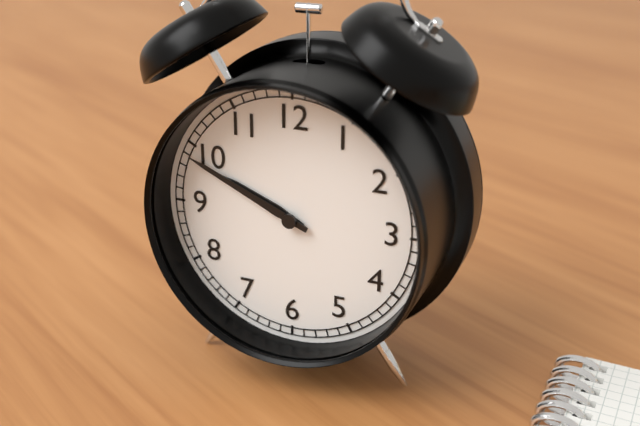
9:49
